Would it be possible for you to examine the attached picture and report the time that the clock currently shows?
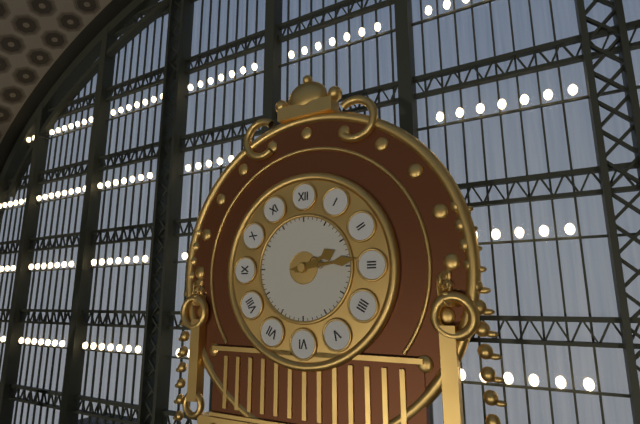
2:14
